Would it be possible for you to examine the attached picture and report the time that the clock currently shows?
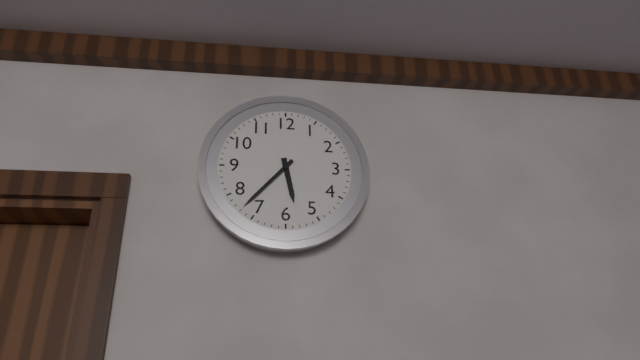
5:37
